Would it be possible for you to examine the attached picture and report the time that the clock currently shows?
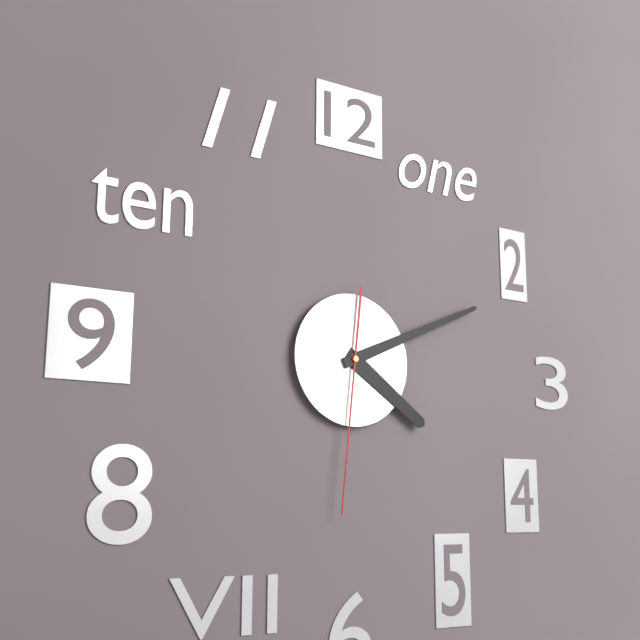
4:11:31
